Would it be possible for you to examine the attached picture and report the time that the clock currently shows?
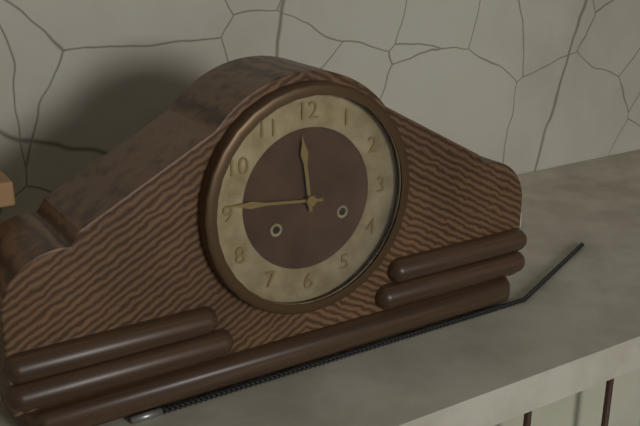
11:46
